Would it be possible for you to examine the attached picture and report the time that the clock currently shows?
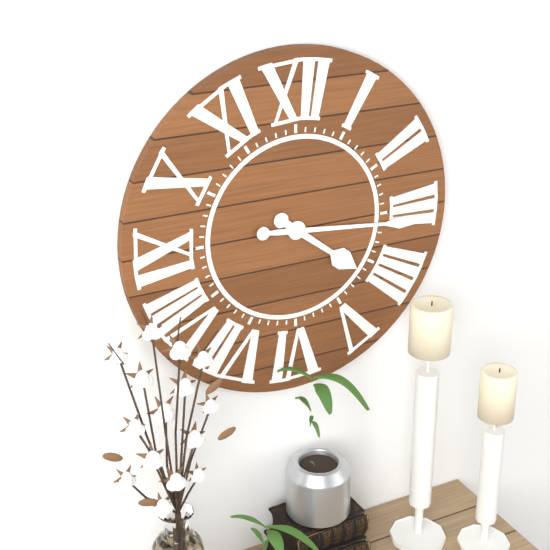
4:16
